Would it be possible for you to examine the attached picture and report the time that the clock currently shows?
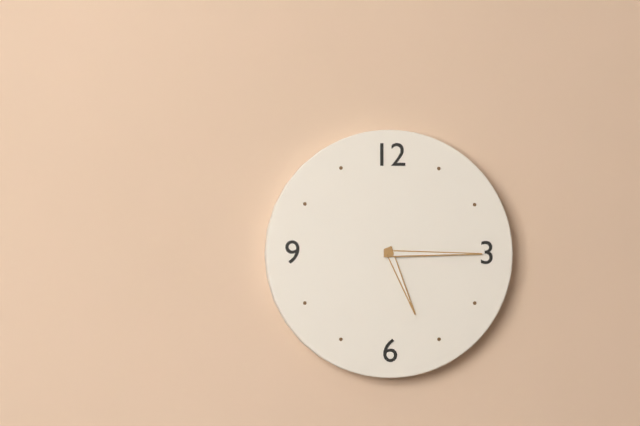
5:15
